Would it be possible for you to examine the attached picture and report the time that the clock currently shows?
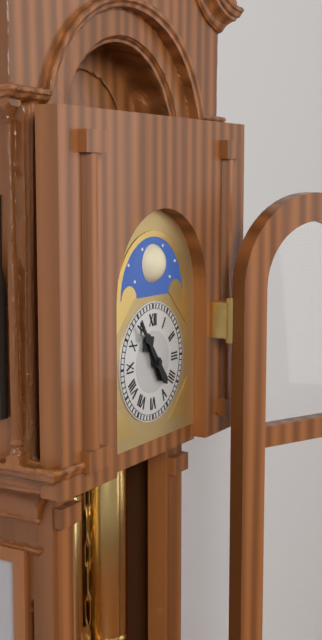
10:54
